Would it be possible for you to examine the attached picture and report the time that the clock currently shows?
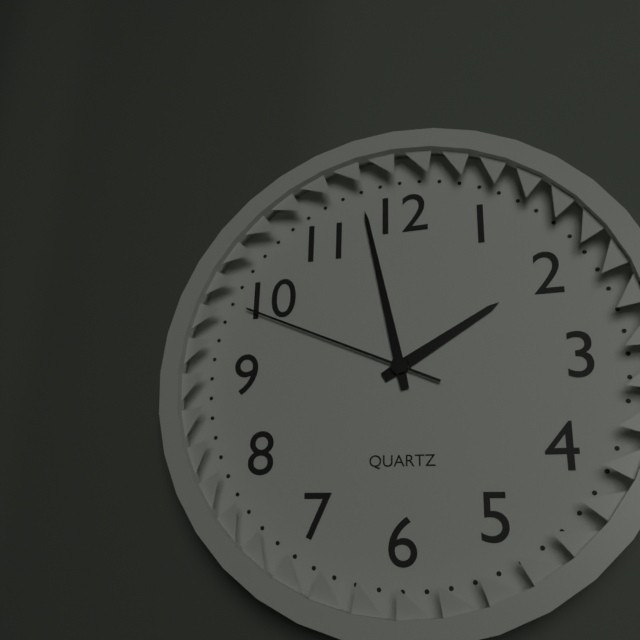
1:58:49
